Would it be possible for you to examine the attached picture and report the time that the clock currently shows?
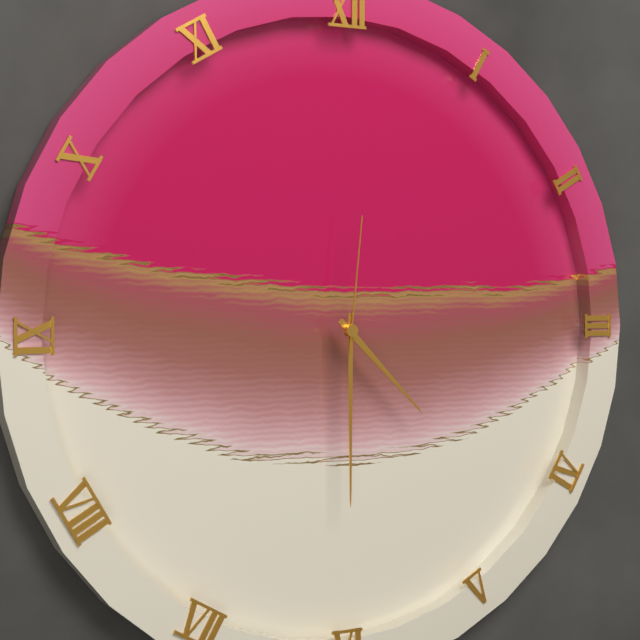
4:30:01
